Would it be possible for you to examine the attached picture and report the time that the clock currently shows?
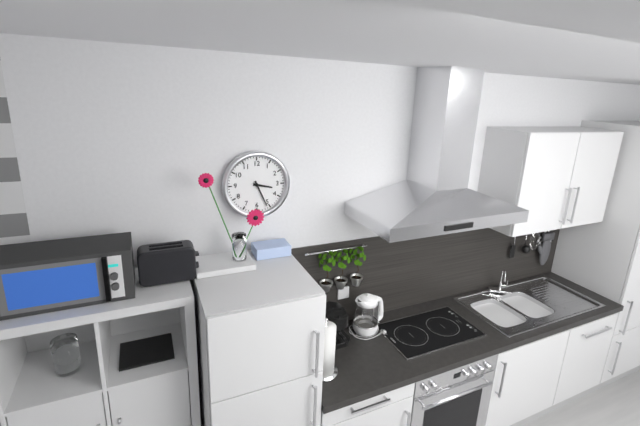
3:26
